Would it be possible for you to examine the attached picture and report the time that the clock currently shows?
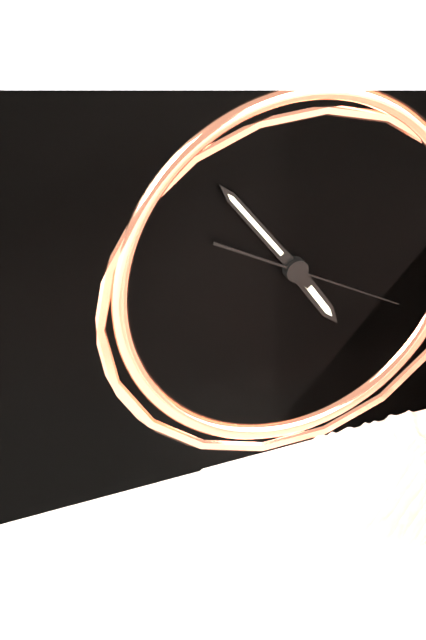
4:54:20
